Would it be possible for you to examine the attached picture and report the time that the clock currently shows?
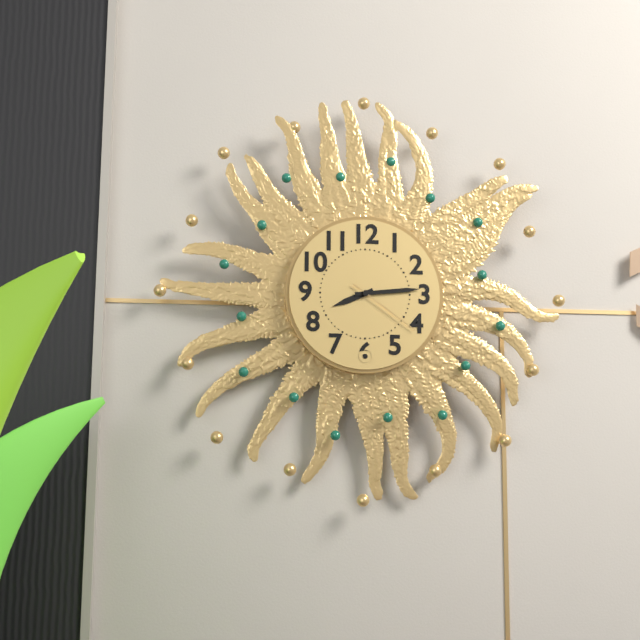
8:14:21
